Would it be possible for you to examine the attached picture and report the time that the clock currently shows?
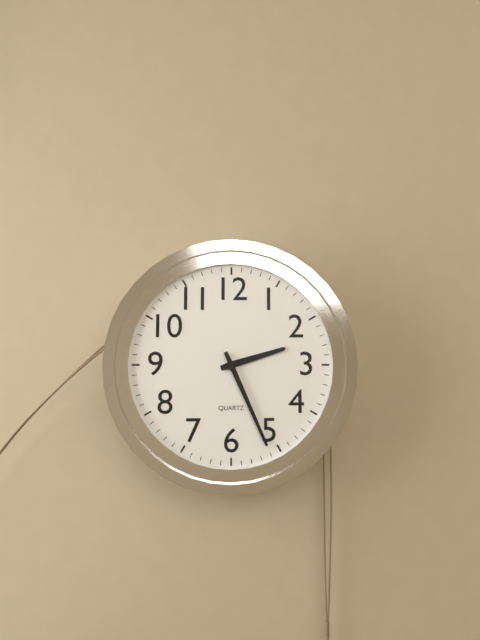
2:26
